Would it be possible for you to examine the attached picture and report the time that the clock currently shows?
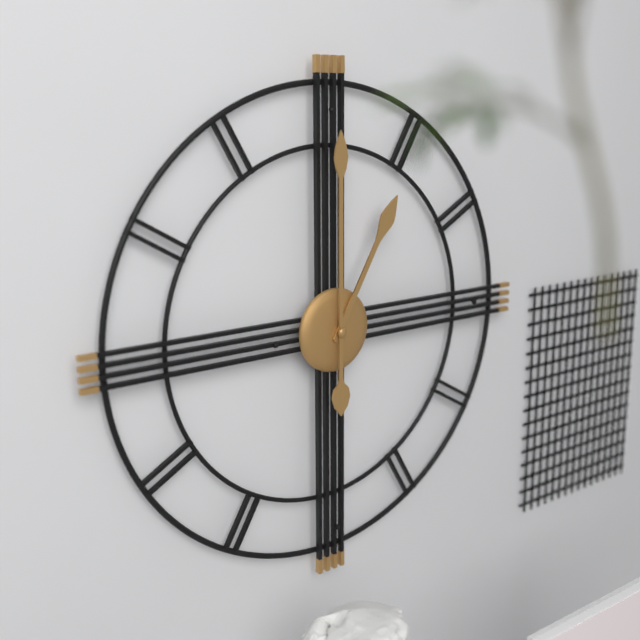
1:00
